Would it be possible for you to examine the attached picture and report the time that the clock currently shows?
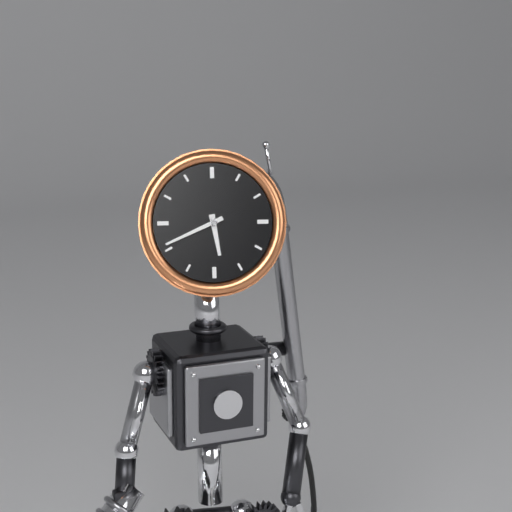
5:41
